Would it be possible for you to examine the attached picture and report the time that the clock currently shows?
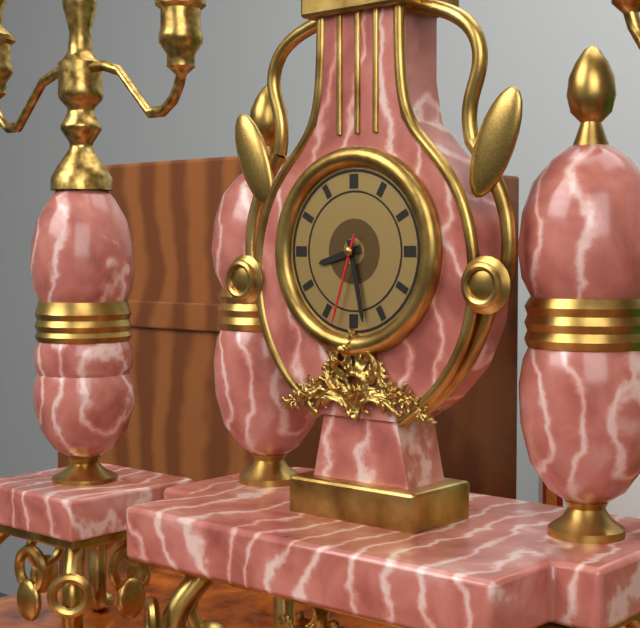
8:28:33
